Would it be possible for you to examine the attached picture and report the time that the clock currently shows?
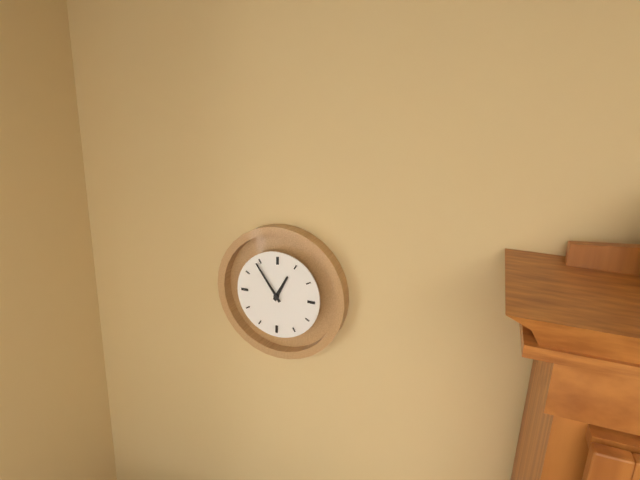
12:54
